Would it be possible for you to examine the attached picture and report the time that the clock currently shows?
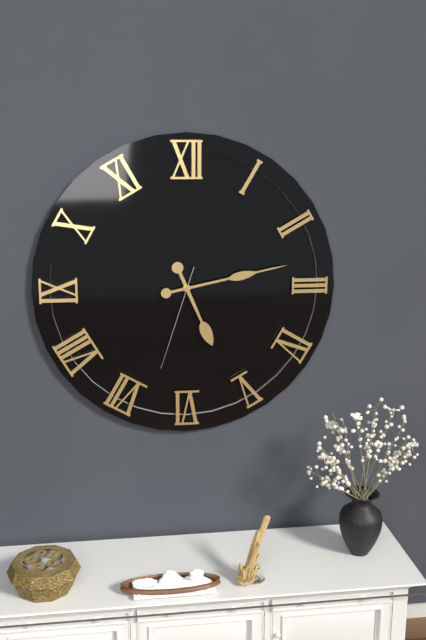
5:13:33
